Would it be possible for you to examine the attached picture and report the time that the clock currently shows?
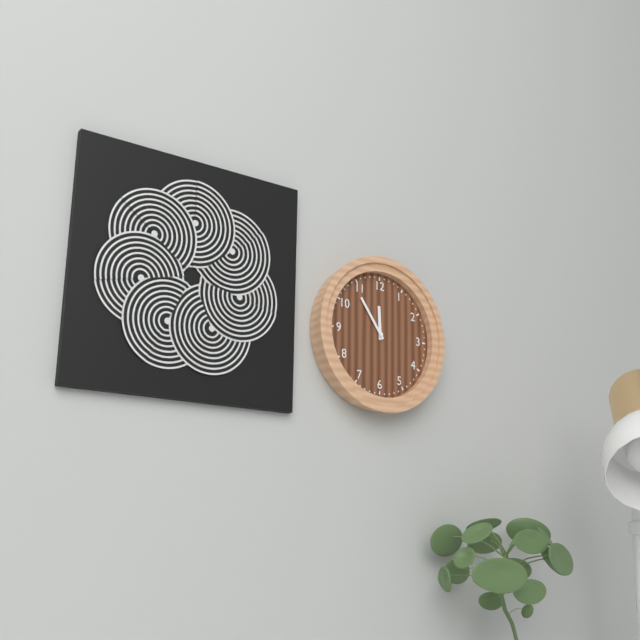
11:54
